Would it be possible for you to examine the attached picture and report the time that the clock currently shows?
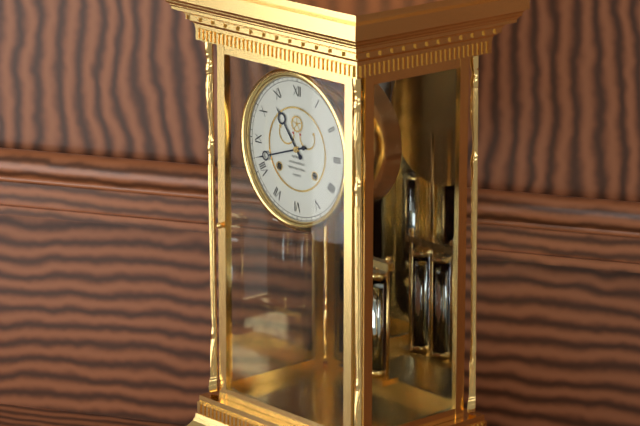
10:42
